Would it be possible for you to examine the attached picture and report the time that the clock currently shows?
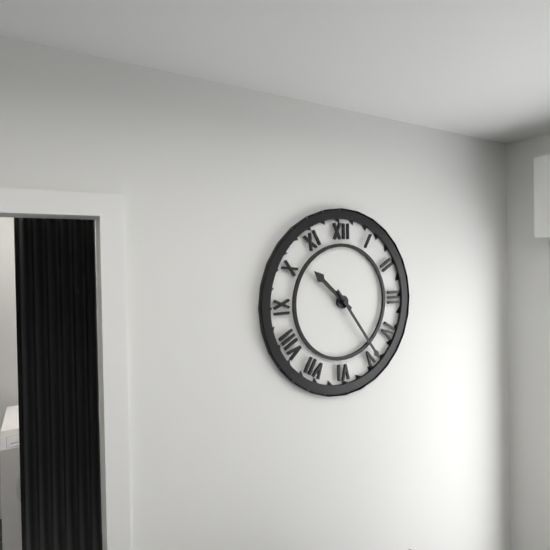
10:24
